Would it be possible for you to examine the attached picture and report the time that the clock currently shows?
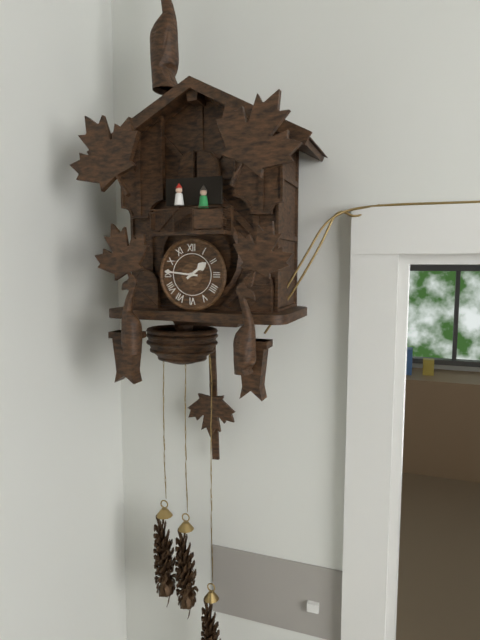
1:46
